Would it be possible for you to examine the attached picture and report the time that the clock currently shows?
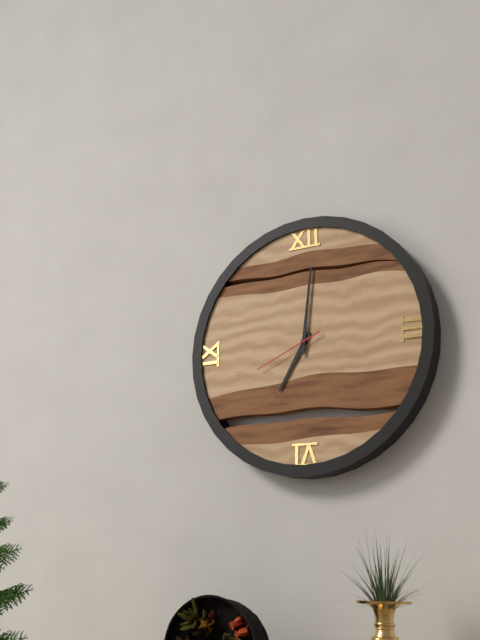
7:01:41
